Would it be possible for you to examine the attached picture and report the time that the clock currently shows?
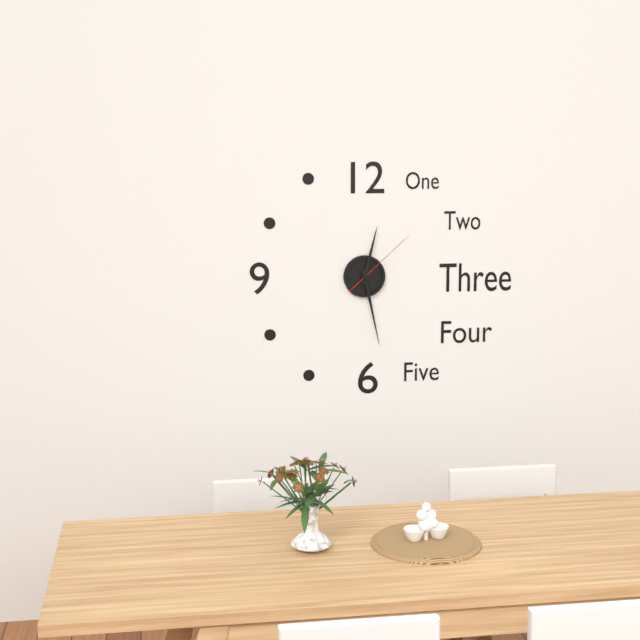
12:28:08
